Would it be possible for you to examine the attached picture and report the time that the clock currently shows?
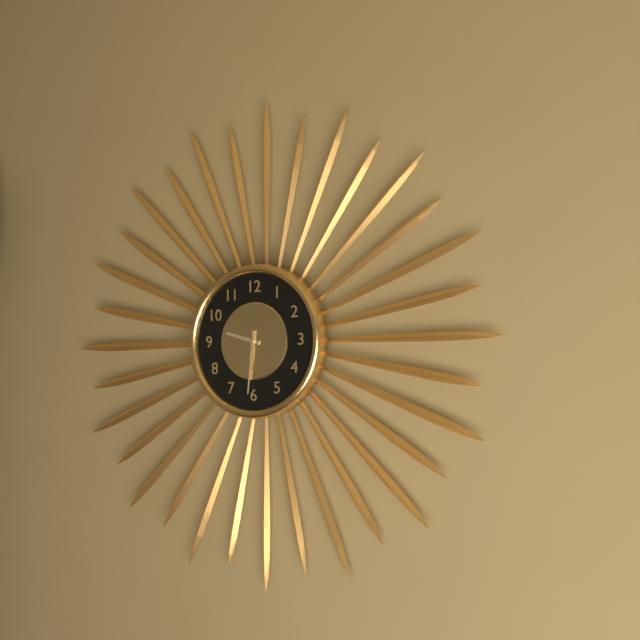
9:31
